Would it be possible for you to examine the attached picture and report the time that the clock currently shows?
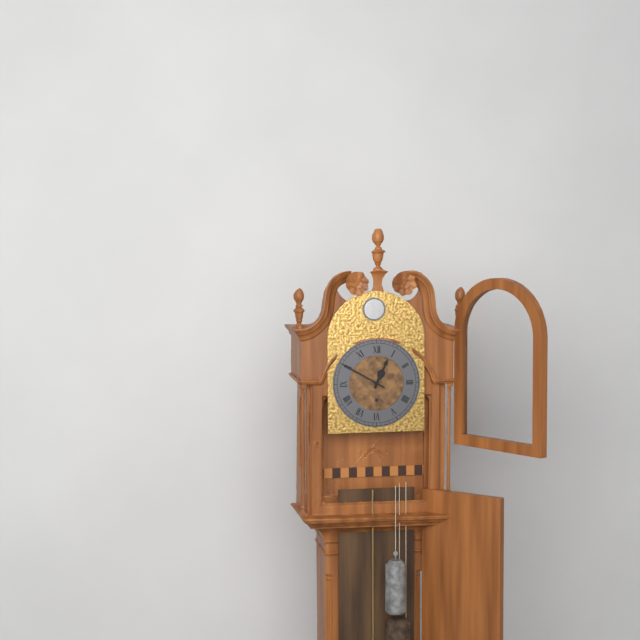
12:50
